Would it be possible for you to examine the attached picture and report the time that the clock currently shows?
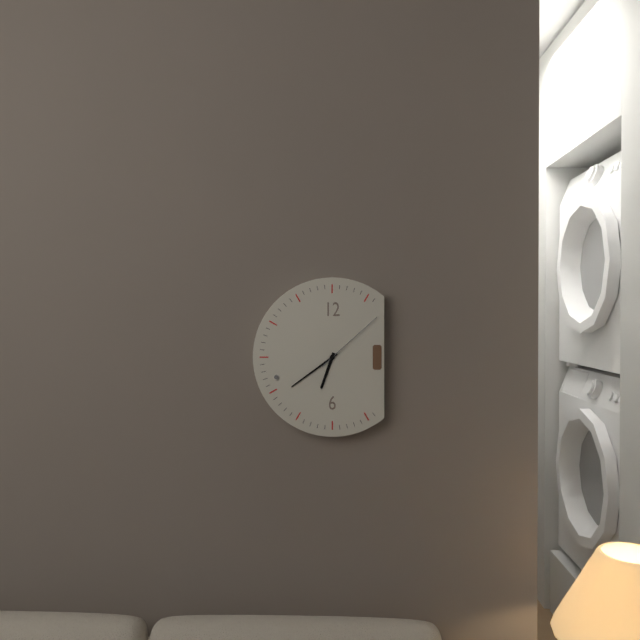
6:39:08
